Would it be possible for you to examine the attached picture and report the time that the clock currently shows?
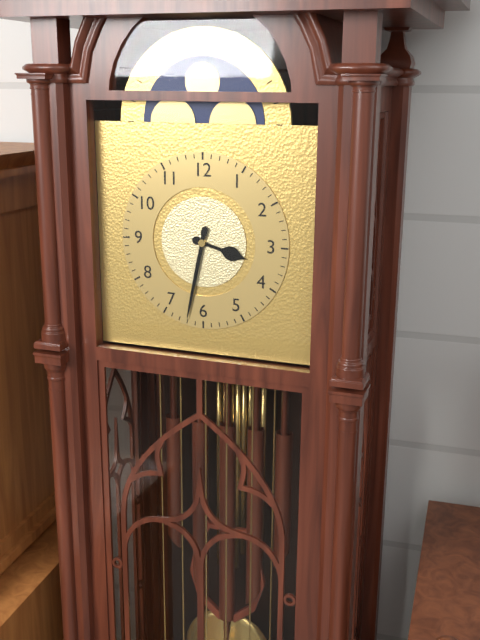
3:32
